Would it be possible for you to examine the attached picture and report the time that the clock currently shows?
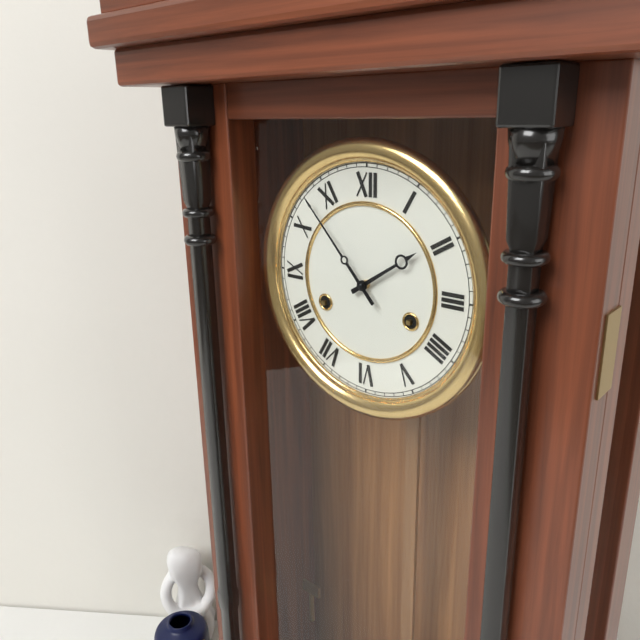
1:53
